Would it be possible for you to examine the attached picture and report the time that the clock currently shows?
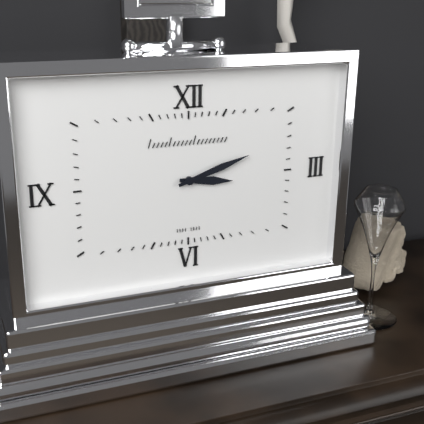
3:12
